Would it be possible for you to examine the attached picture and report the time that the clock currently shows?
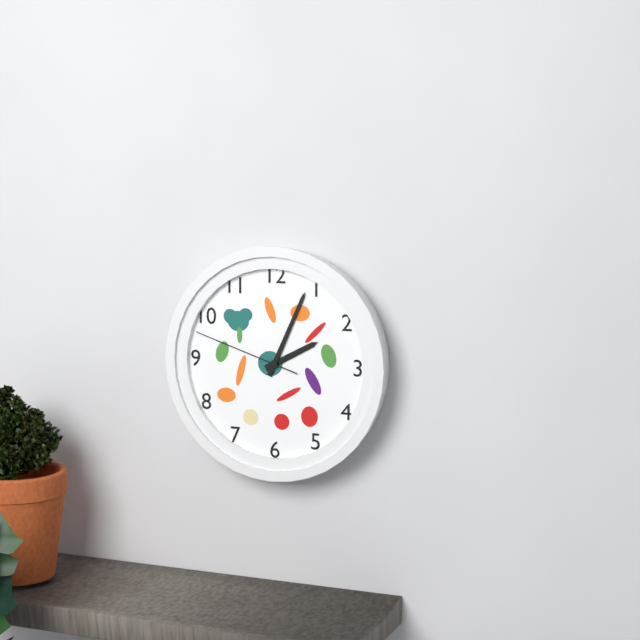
2:04:48
